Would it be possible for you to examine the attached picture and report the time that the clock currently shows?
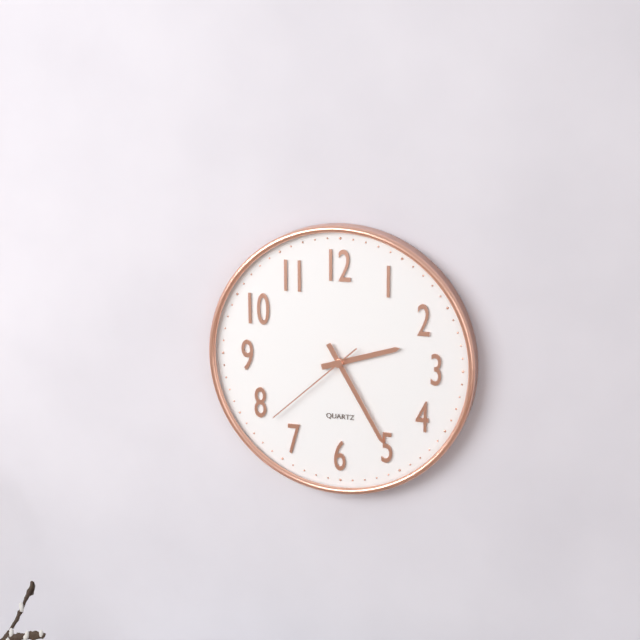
2:25:38
